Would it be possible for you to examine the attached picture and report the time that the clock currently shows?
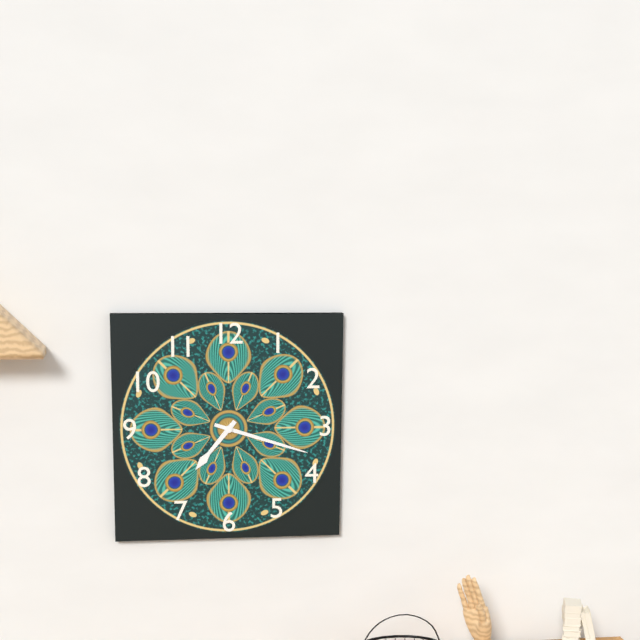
7:18
